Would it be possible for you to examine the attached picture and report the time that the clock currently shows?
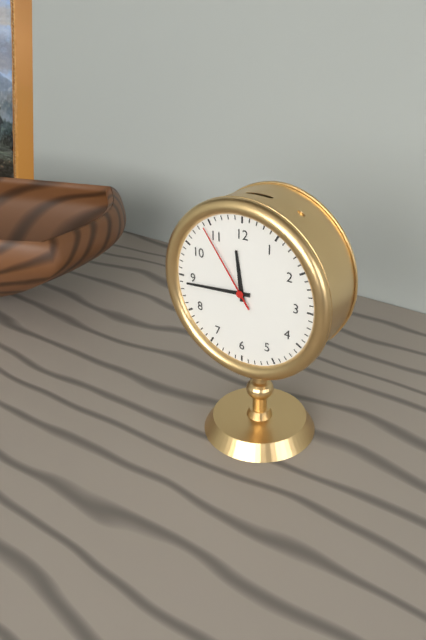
11:44:54
